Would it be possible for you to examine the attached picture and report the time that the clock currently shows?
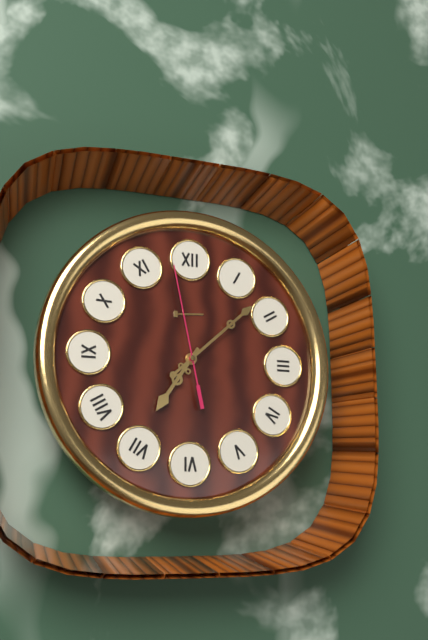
7:08:58
